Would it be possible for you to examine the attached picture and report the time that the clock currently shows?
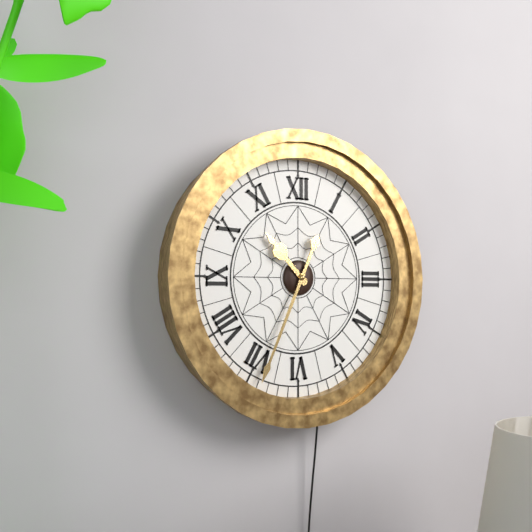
10:34
